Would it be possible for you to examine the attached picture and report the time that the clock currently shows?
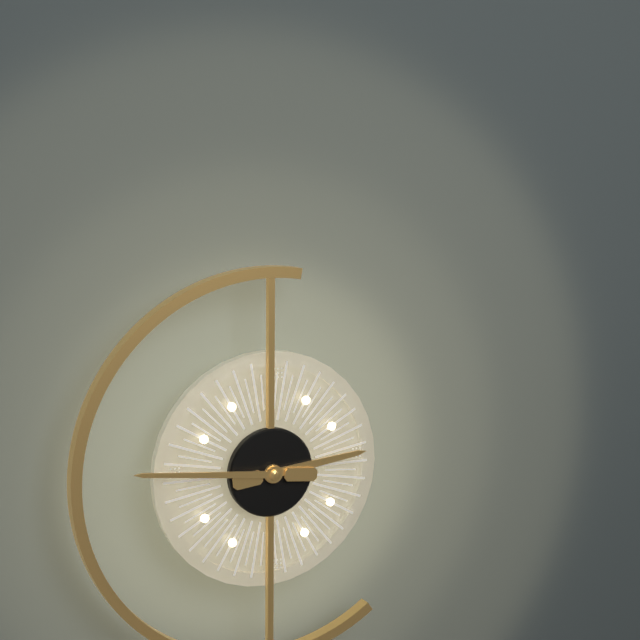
2:46
